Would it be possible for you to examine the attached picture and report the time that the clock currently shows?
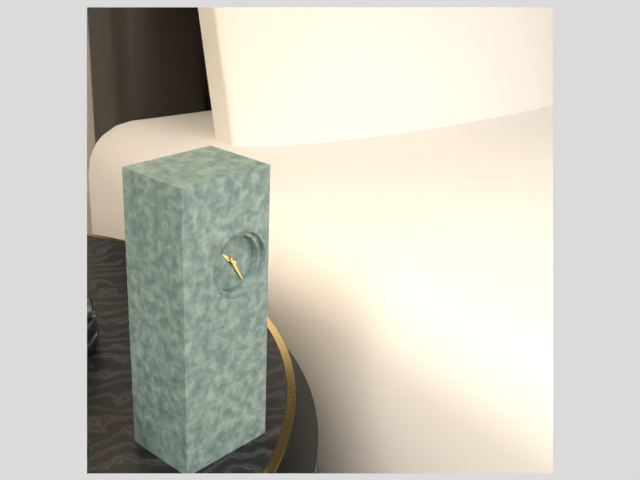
10:25
